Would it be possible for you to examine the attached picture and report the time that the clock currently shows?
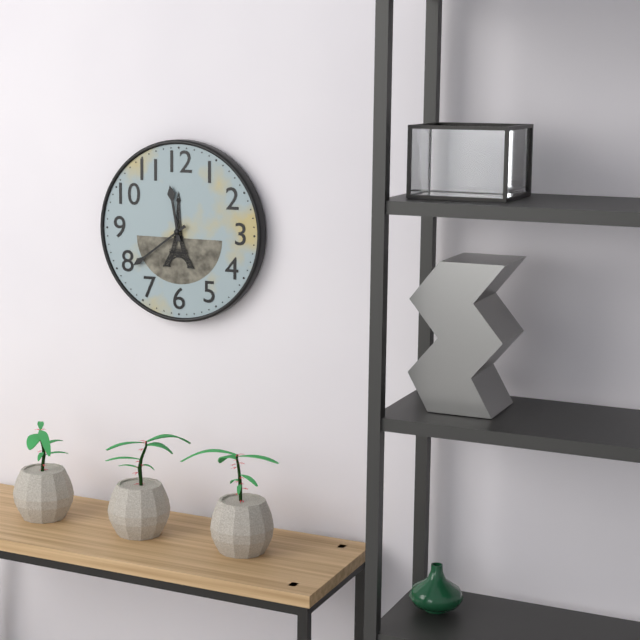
11:39
